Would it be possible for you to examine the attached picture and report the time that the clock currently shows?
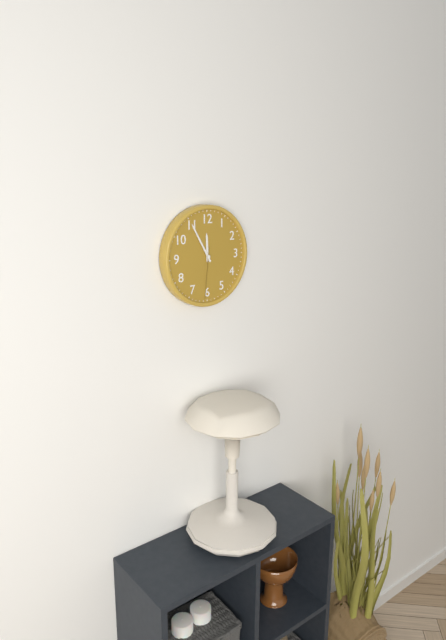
11:55:31
